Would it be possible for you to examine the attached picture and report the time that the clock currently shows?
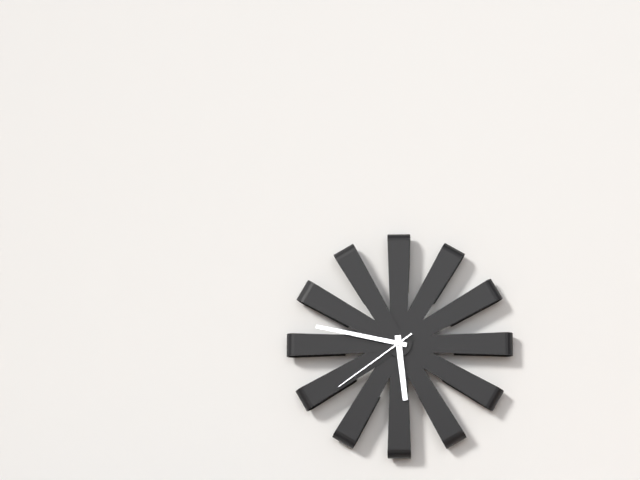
5:47:39
